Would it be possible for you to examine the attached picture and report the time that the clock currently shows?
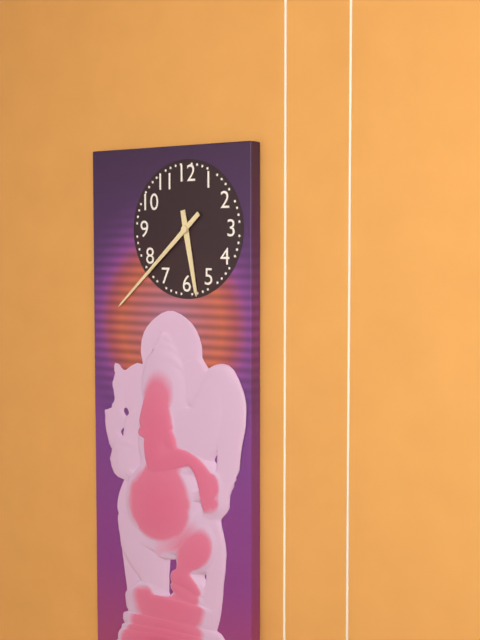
5:38
